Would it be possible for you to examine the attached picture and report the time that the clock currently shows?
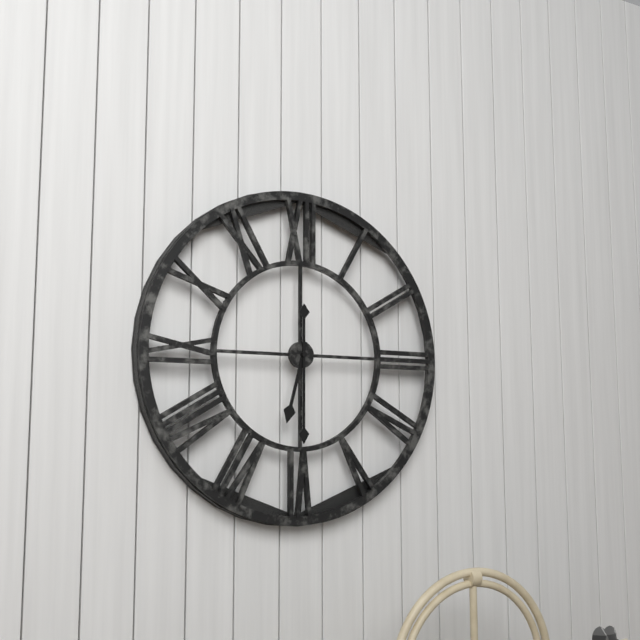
6:30
